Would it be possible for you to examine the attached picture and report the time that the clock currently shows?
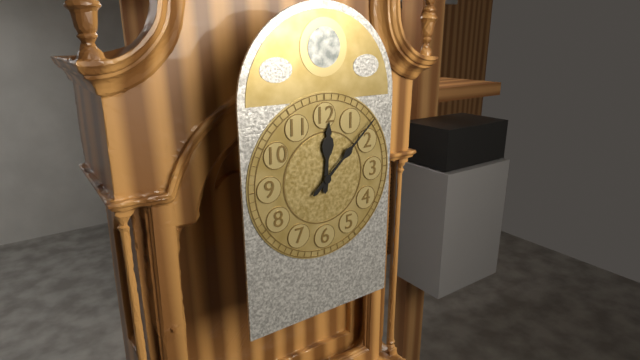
12:08
